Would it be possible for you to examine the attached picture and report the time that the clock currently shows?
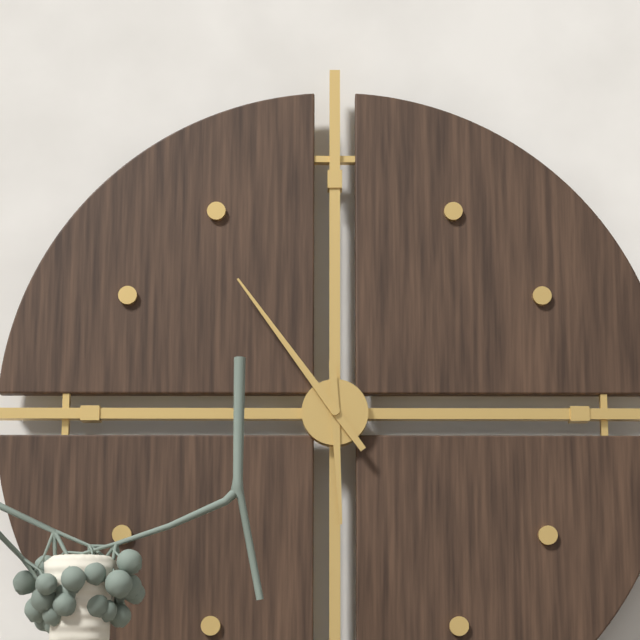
5:54
